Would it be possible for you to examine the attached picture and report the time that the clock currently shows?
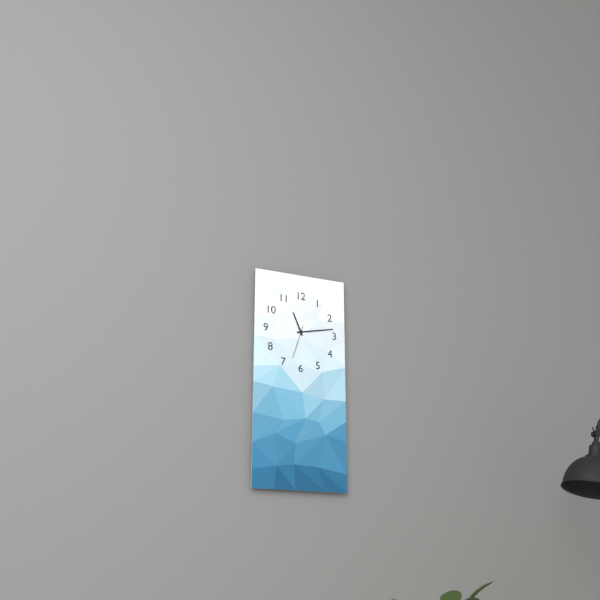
11:13
